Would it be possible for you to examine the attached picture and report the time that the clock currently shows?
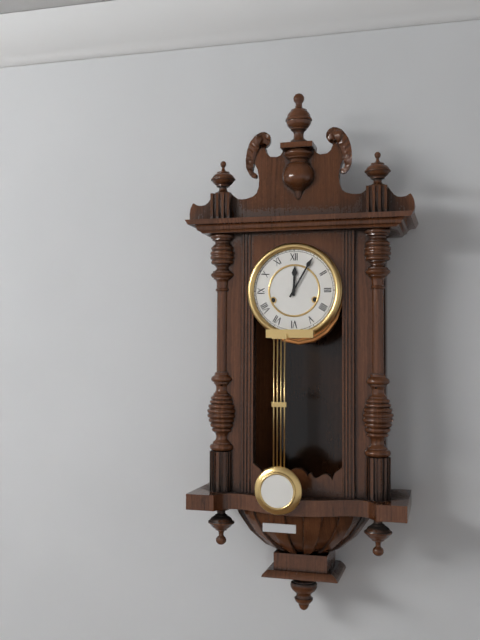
12:05
